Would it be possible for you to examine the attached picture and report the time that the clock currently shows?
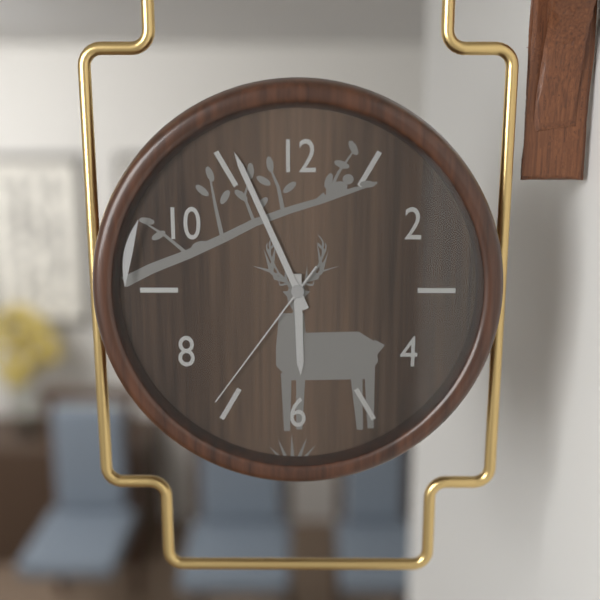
5:56:36
